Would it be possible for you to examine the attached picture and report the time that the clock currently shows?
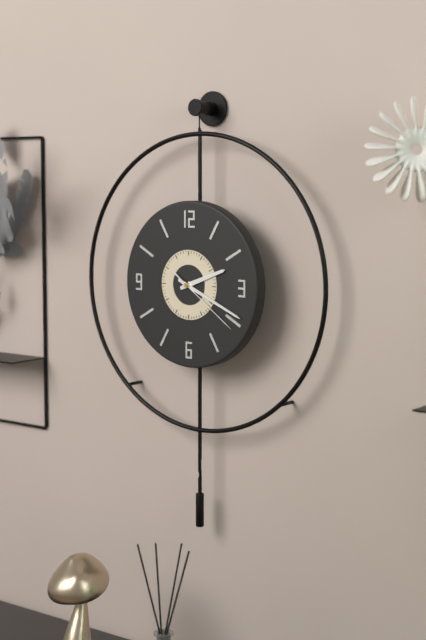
2:19:21
